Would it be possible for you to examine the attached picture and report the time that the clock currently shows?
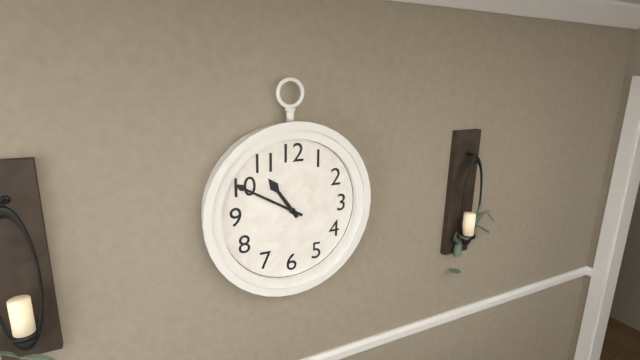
10:50
